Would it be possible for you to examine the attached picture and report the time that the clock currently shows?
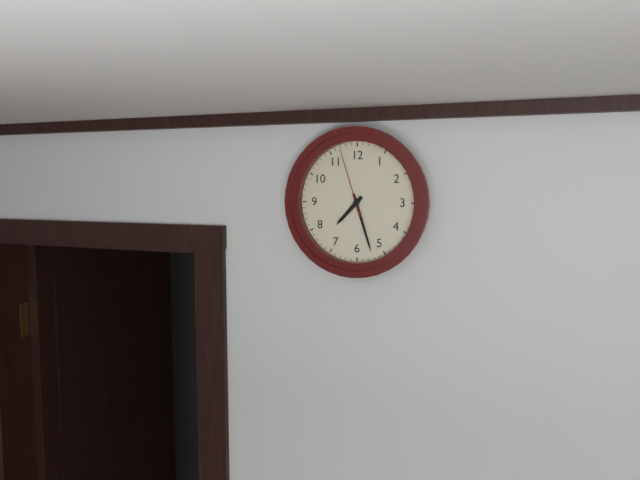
7:27:57
